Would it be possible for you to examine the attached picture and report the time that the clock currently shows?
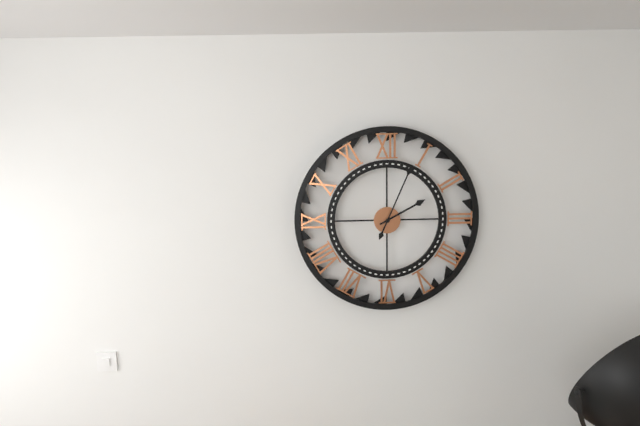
2:04
